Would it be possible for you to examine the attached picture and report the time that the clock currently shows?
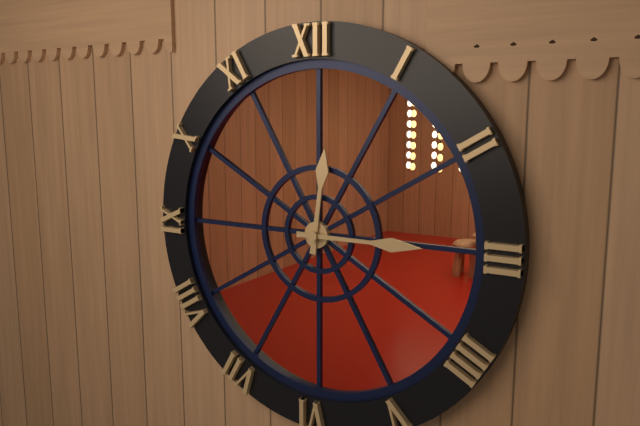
12:15
